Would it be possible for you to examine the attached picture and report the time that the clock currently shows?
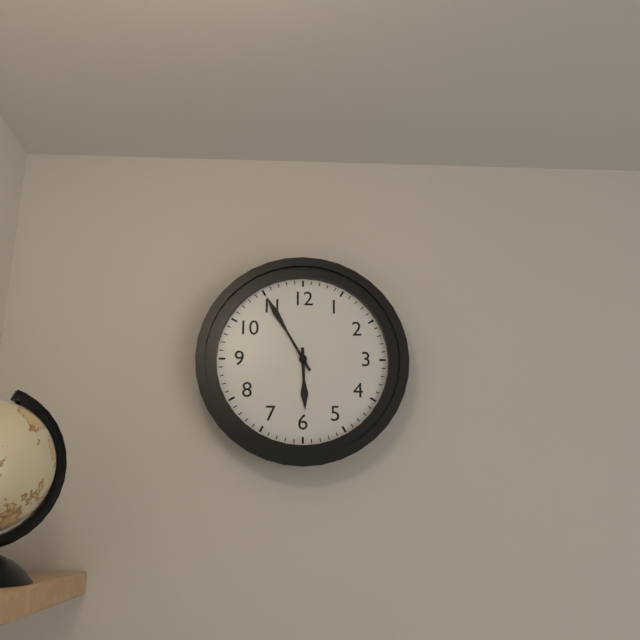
5:55
